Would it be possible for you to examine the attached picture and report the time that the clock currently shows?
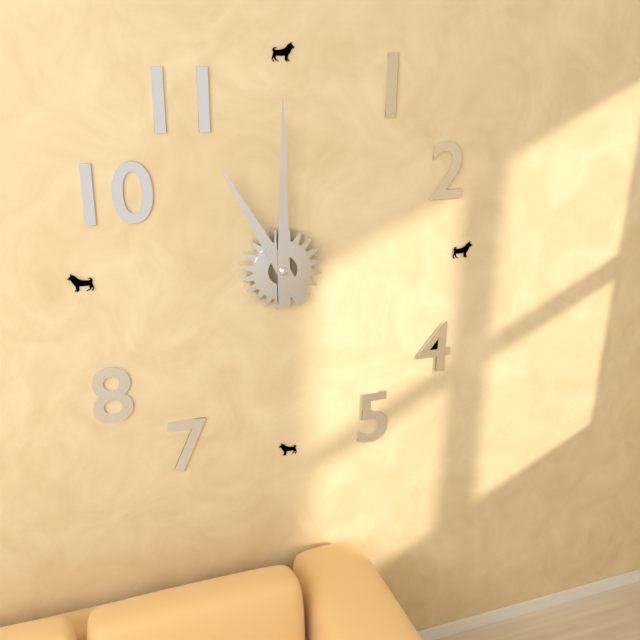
11:00
